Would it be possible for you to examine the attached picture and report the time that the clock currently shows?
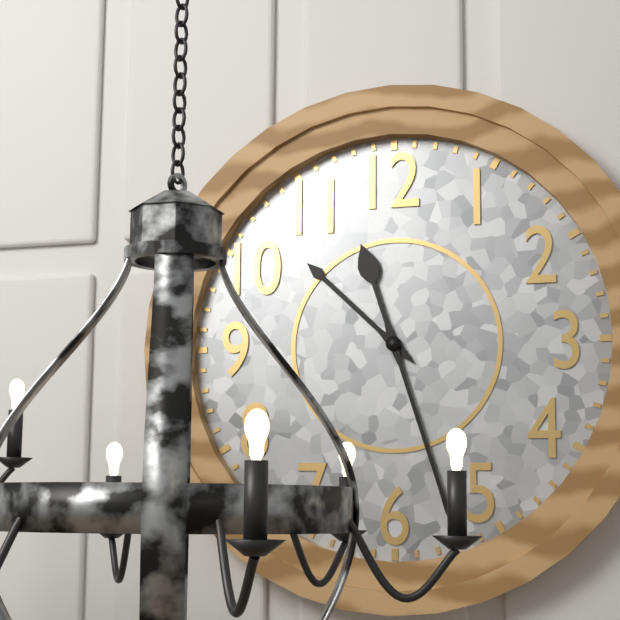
10:27
